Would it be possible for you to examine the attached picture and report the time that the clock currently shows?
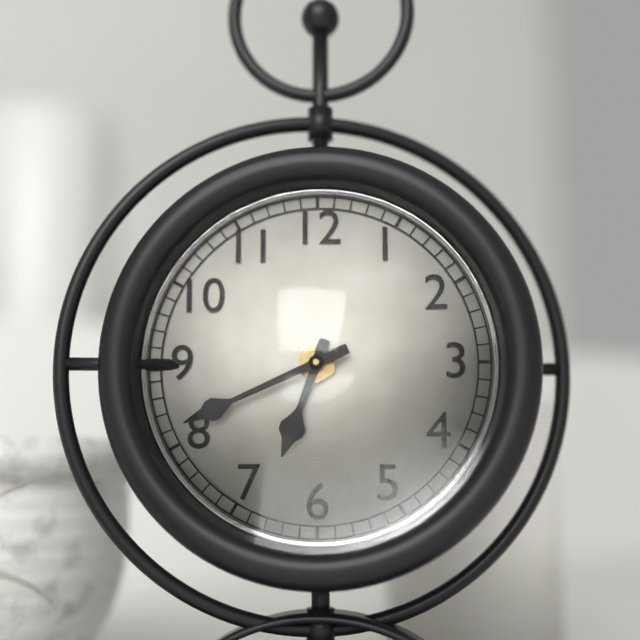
6:41
